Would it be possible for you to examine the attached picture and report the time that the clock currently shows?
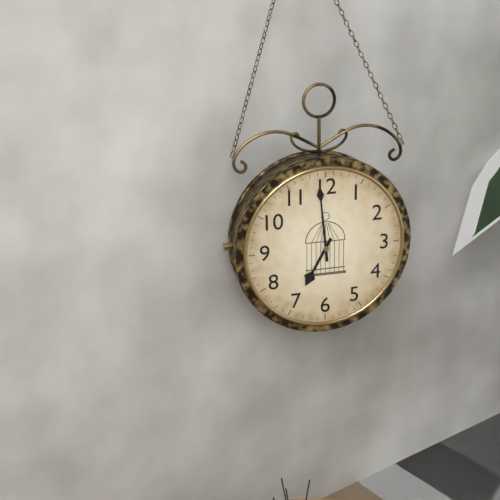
6:59
